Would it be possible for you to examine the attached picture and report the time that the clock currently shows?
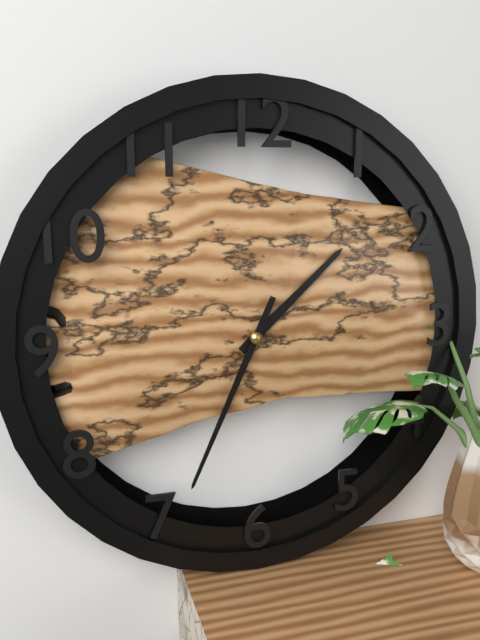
1:34
